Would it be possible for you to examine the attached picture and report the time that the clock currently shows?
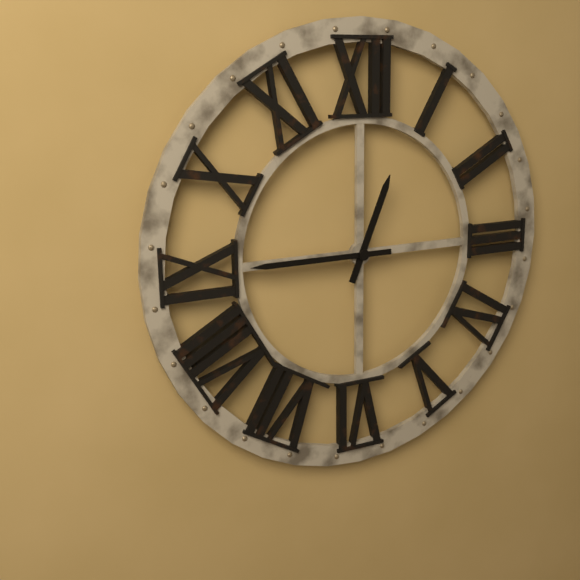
12:45
